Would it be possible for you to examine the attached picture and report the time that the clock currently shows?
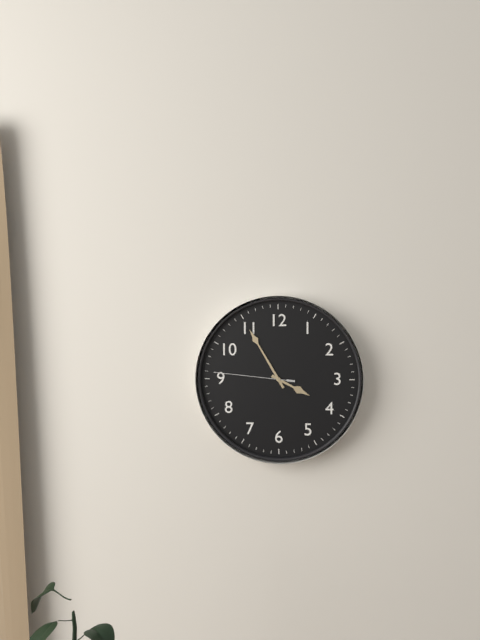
3:55:46
